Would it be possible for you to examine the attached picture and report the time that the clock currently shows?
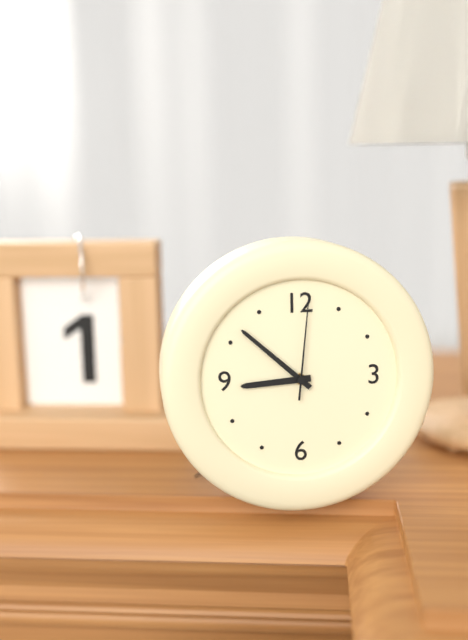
8:52:01
